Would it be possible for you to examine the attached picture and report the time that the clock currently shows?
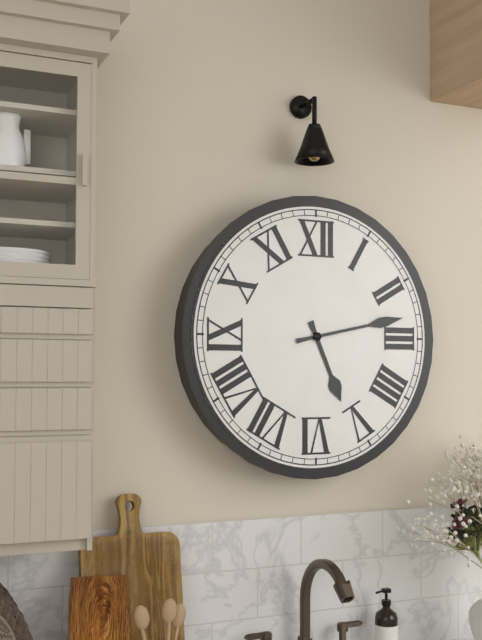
5:13
